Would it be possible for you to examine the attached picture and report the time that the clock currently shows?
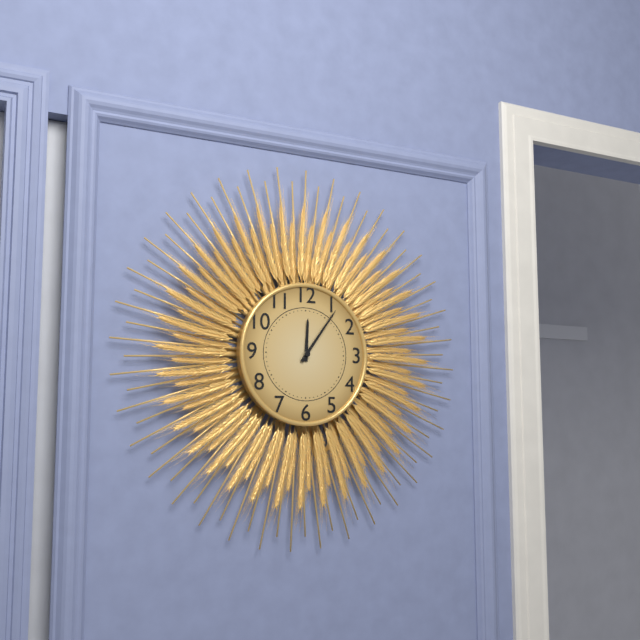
12:06
